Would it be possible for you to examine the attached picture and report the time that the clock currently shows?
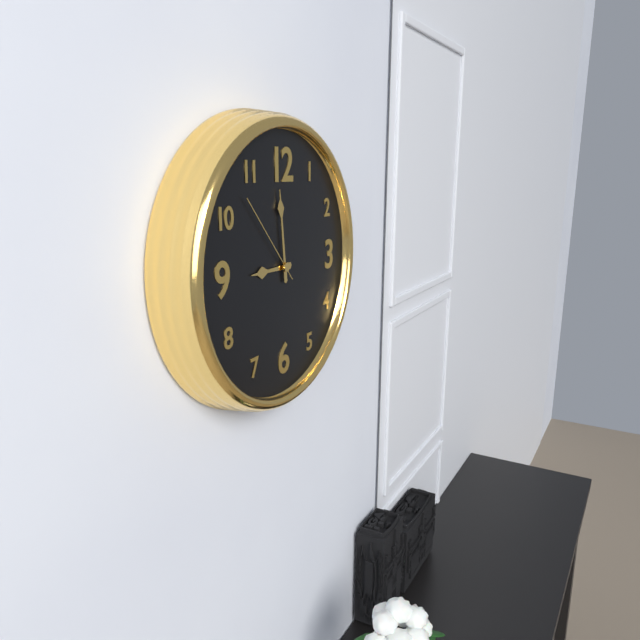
8:59:53
